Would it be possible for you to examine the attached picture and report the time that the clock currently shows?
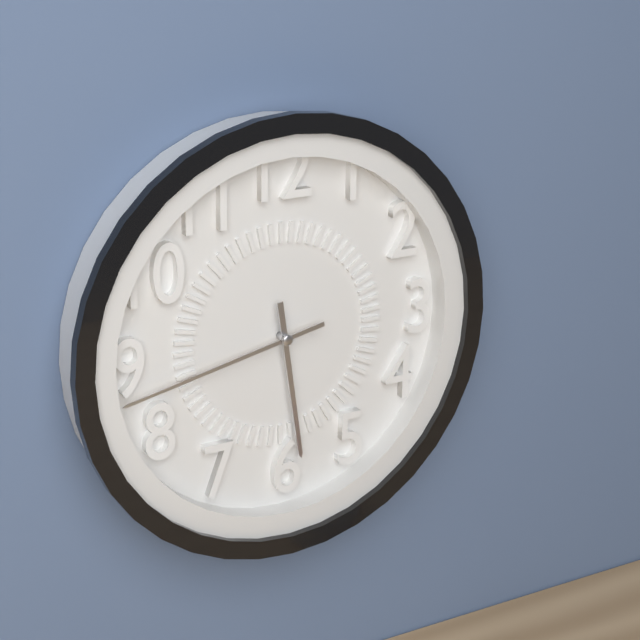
5:43
